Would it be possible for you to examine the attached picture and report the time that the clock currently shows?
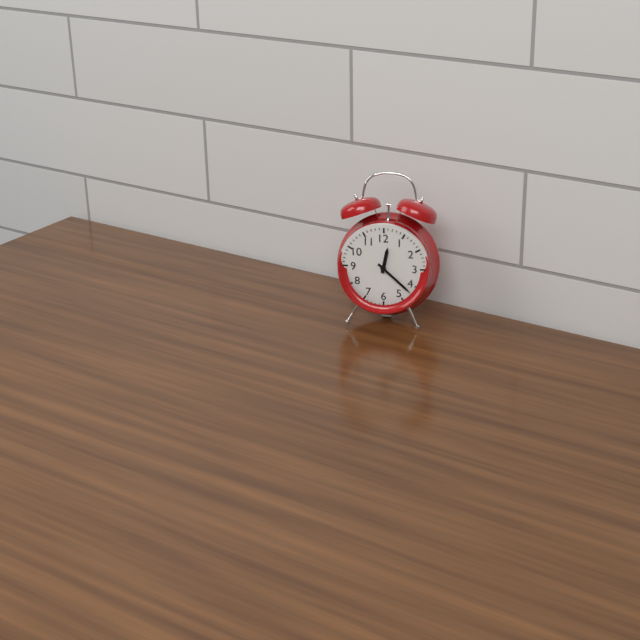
12:22
